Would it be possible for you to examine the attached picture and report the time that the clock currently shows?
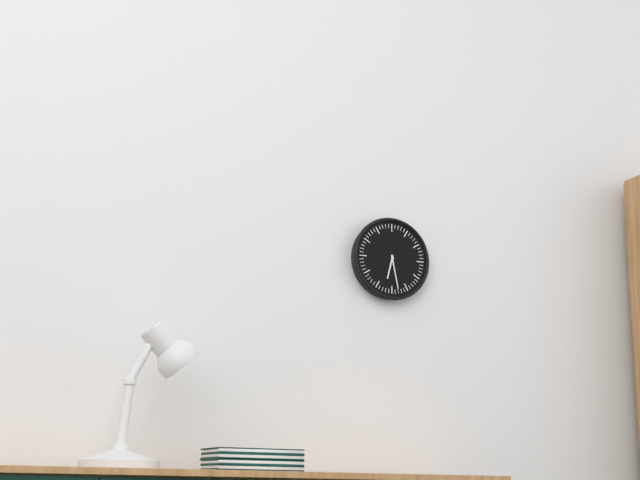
6:28
